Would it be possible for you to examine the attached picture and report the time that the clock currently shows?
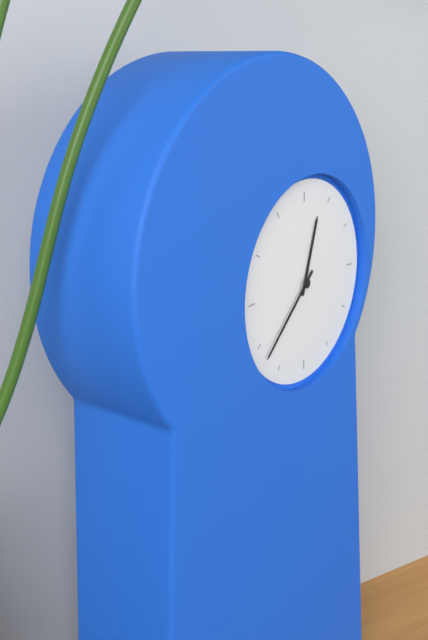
12:38
